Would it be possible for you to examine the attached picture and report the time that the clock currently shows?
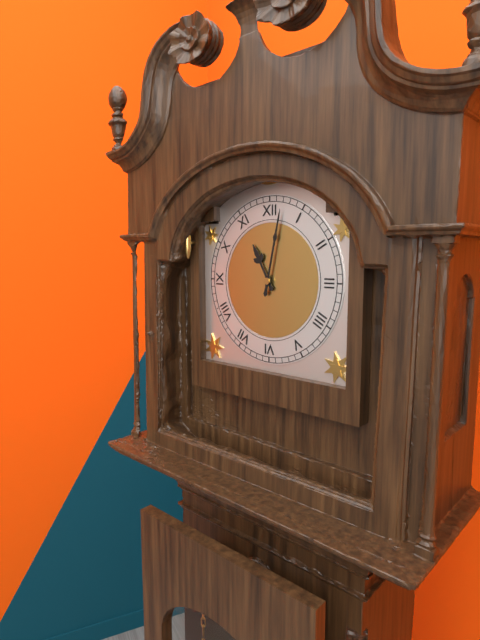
11:02
